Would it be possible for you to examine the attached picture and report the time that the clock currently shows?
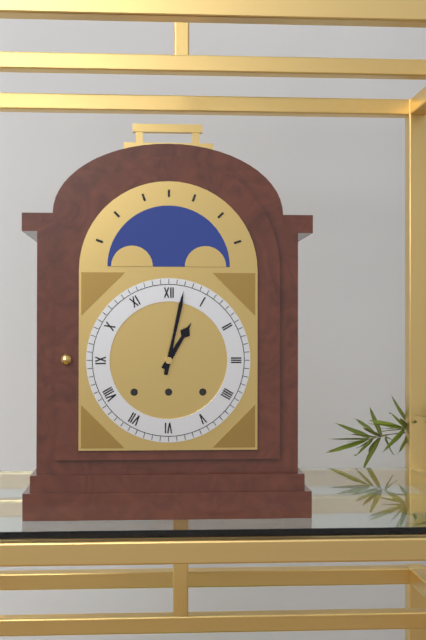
1:02
